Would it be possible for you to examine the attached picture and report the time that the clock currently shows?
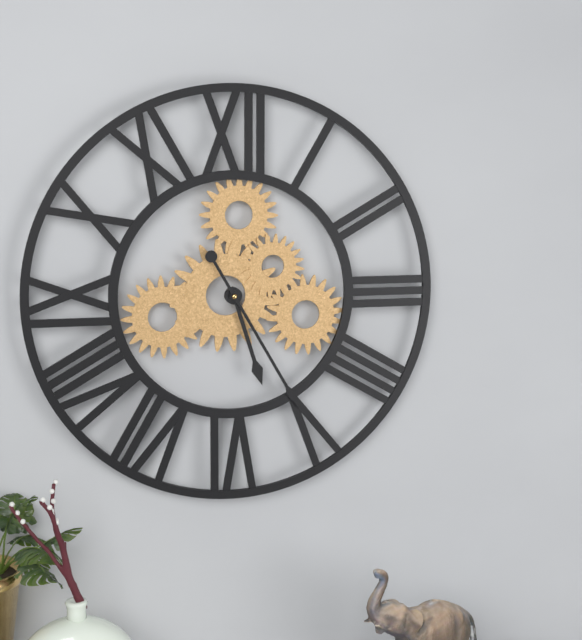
5:25
